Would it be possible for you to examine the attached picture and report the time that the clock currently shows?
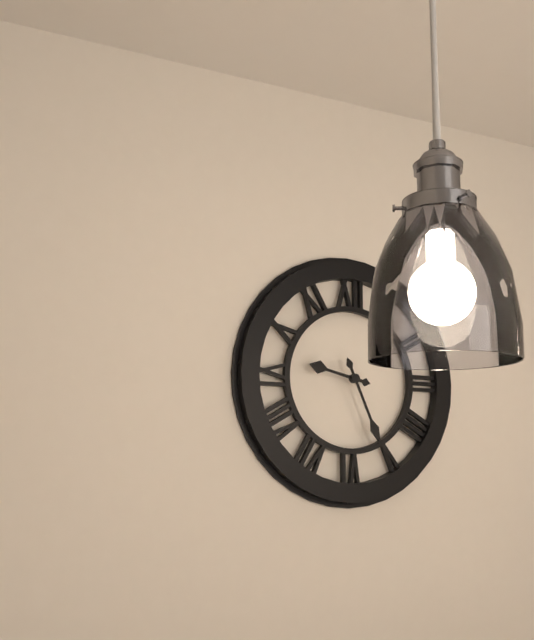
9:26
